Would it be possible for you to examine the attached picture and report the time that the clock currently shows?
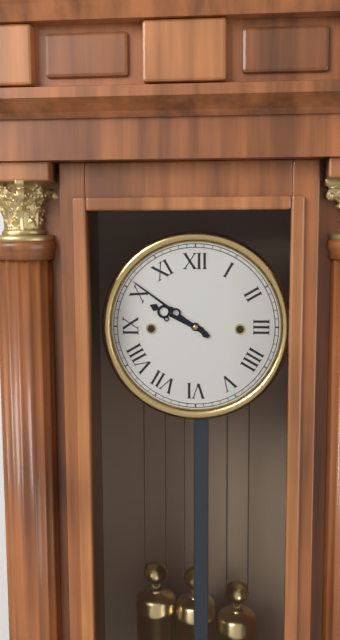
9:51
